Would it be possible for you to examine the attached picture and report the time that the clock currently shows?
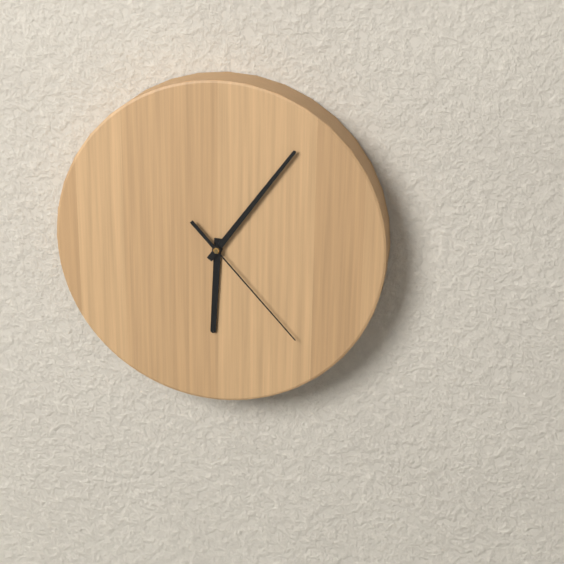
6:06:23
